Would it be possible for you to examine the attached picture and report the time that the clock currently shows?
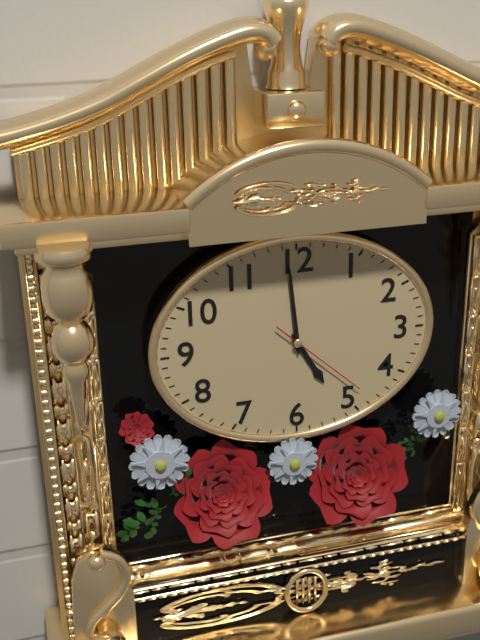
4:59:22
